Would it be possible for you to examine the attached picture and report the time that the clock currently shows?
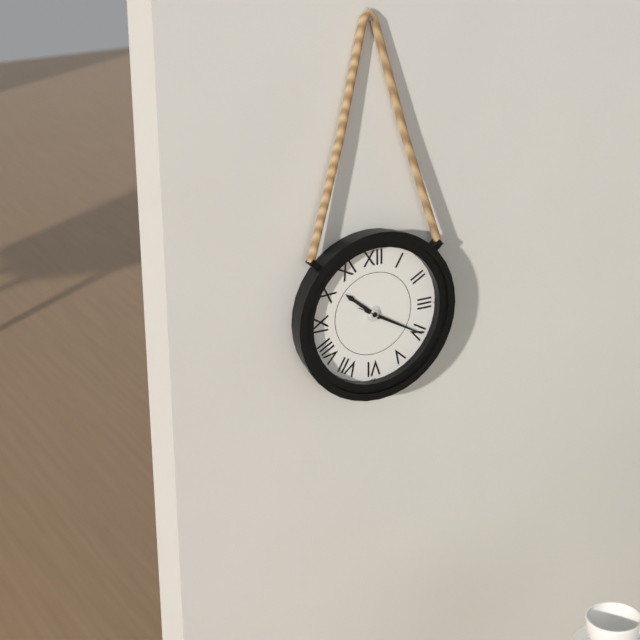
10:20:20
